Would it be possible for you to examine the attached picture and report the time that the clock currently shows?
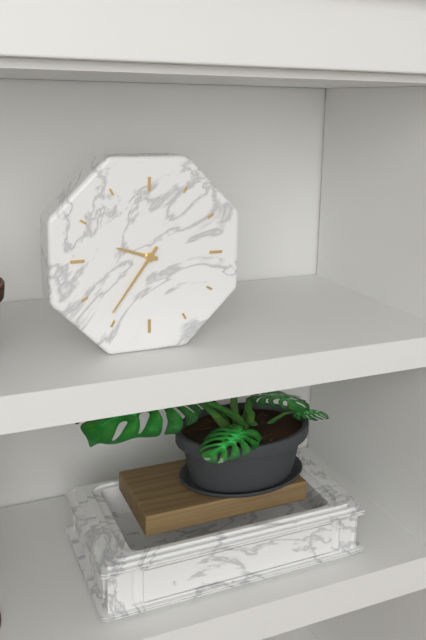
9:36
